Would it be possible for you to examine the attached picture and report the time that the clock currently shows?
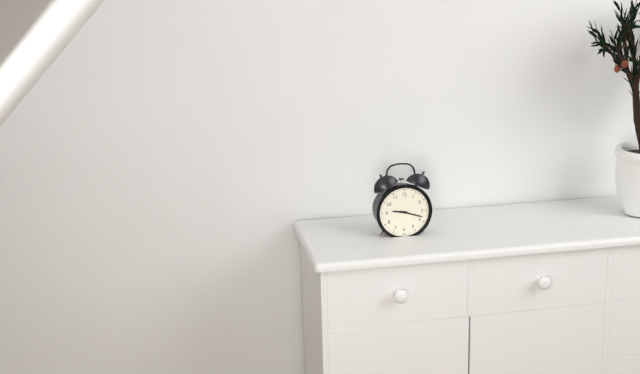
9:18
